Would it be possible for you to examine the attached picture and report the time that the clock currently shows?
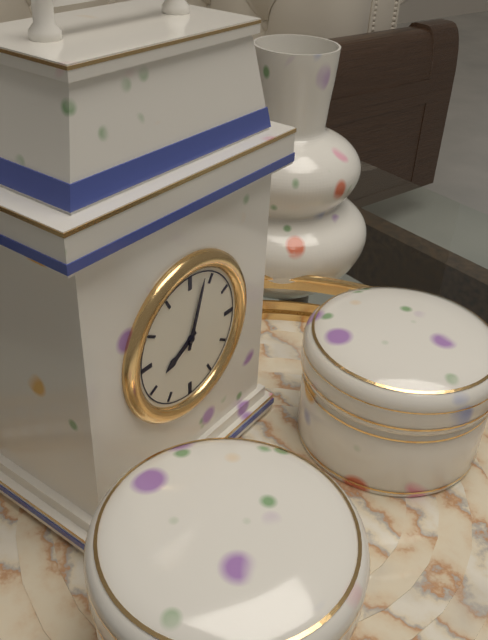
8:03
